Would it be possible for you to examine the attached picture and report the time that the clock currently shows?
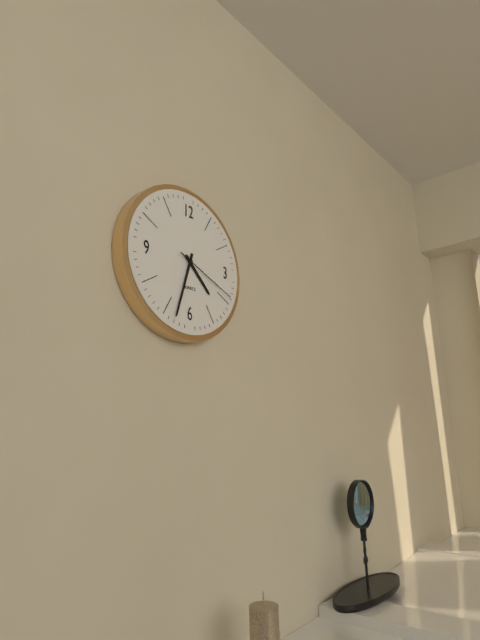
4:33:19
